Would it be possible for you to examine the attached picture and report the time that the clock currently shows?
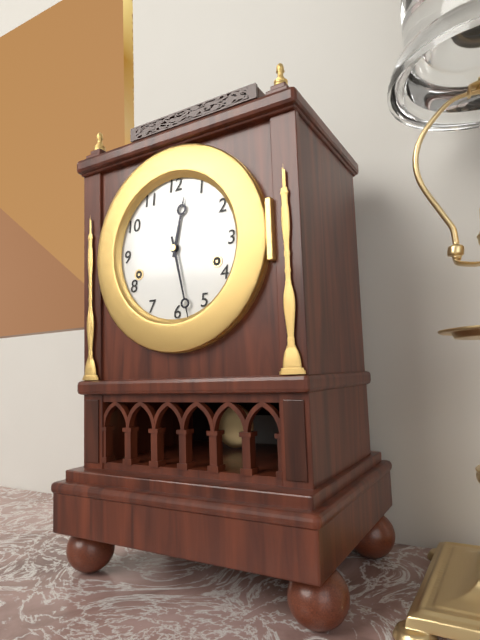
12:28
